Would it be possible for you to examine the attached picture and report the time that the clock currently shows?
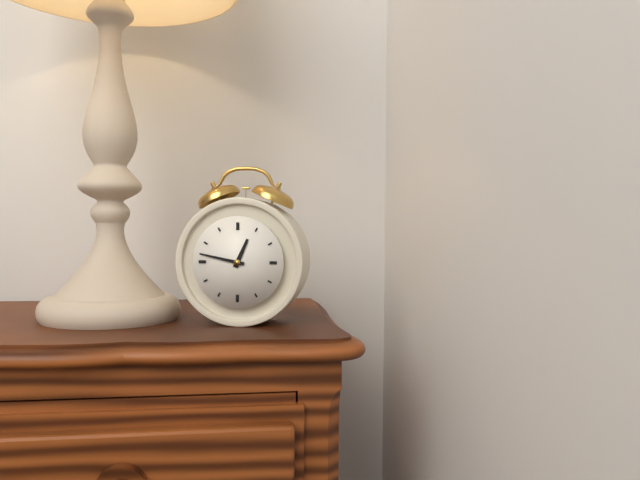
12:47
